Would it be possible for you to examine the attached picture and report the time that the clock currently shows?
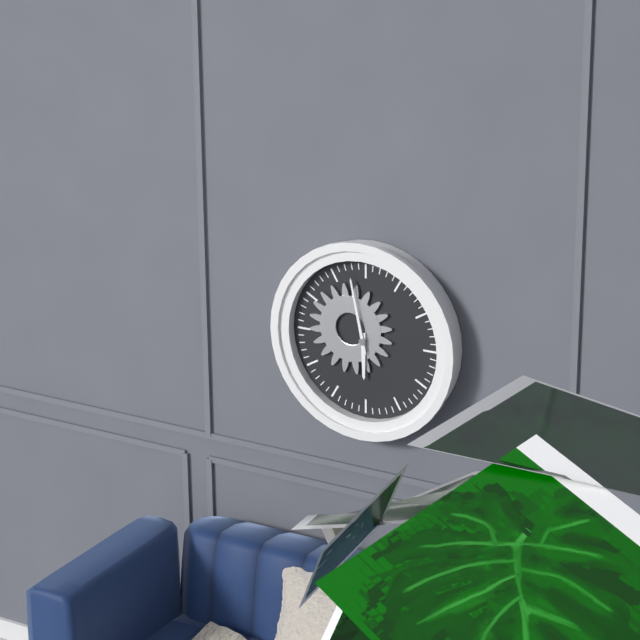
5:58
